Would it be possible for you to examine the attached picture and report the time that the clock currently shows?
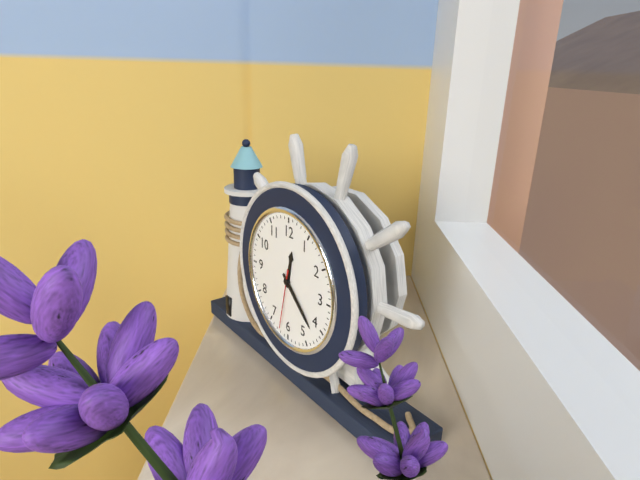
12:22:32
